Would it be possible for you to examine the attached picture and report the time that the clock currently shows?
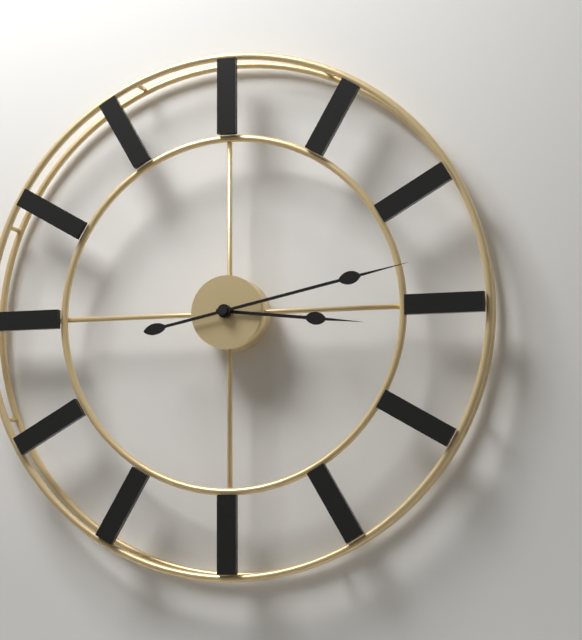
3:13
